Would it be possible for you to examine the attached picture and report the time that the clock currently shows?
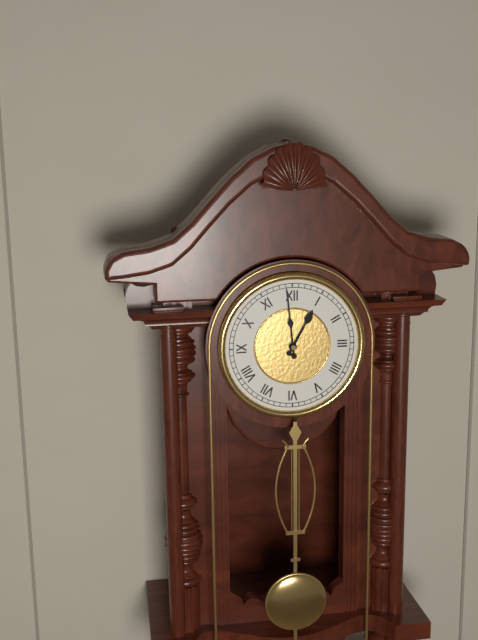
12:59
